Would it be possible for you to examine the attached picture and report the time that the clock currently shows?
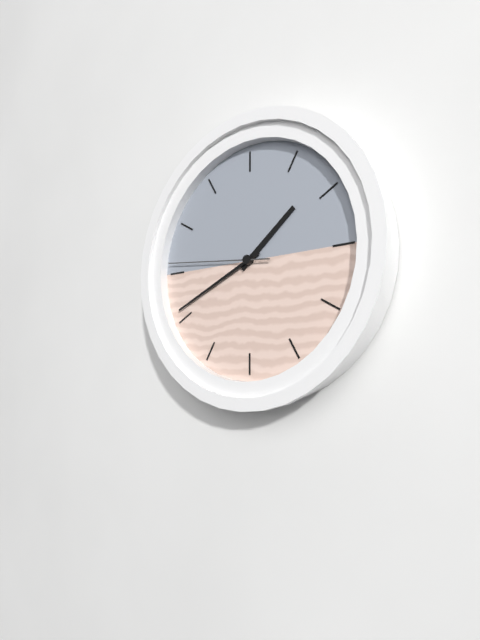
1:41:46
